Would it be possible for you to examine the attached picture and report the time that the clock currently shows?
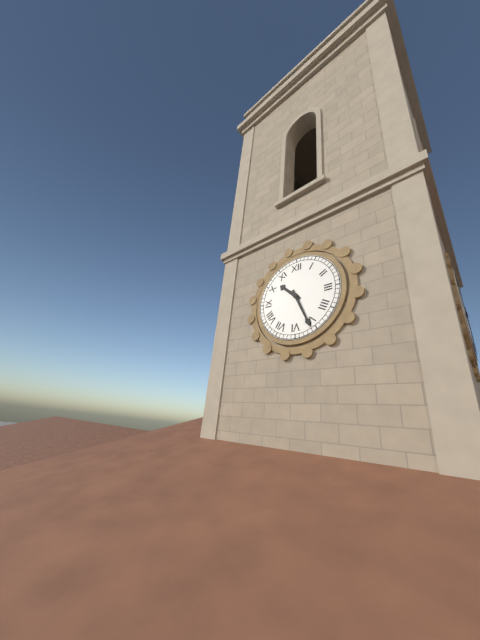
10:26
